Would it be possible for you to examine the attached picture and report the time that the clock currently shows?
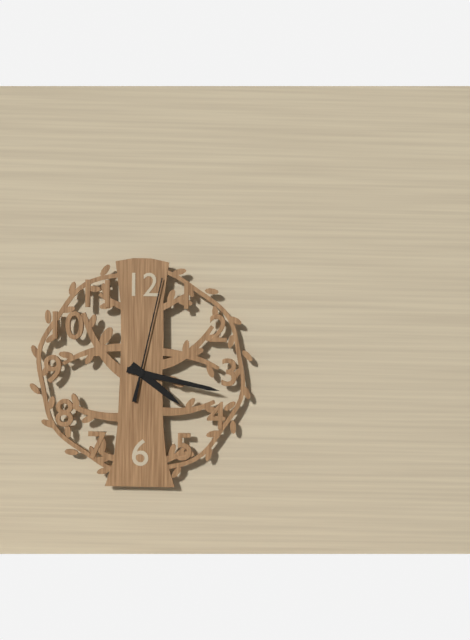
4:17:02
